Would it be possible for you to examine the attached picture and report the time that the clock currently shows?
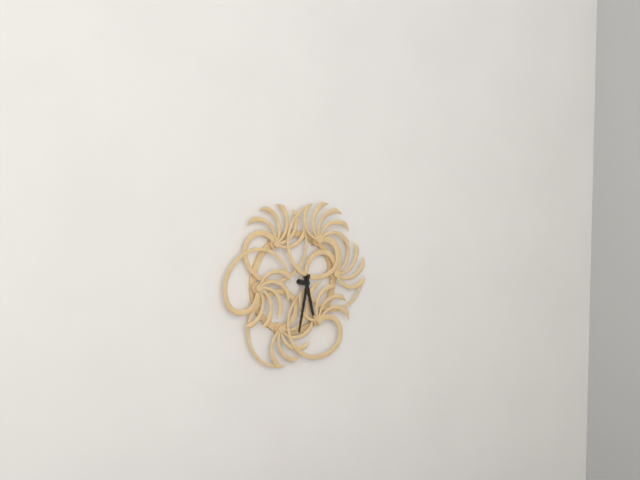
5:32
